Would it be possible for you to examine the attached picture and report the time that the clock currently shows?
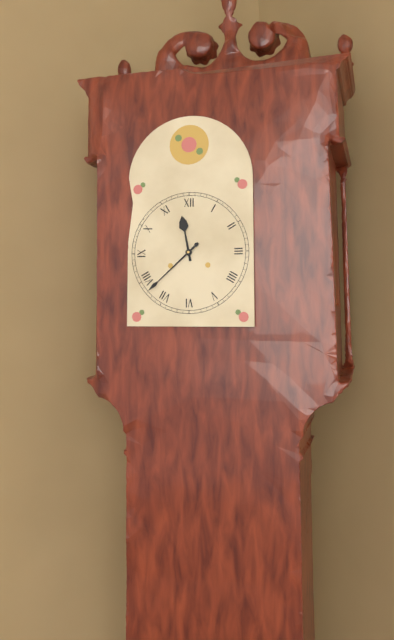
11:38
